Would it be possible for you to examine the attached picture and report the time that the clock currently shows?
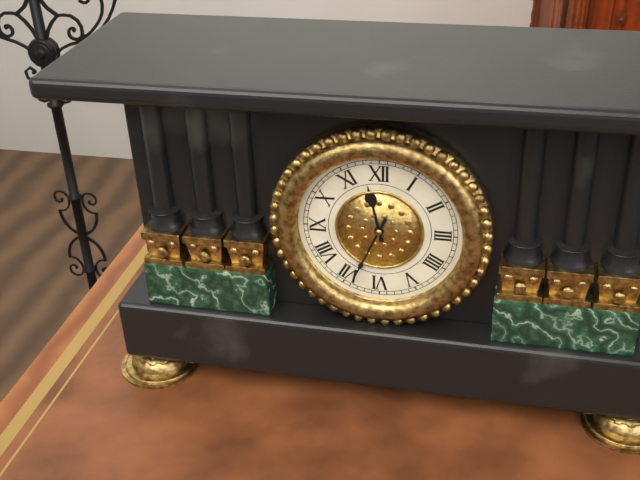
11:34
